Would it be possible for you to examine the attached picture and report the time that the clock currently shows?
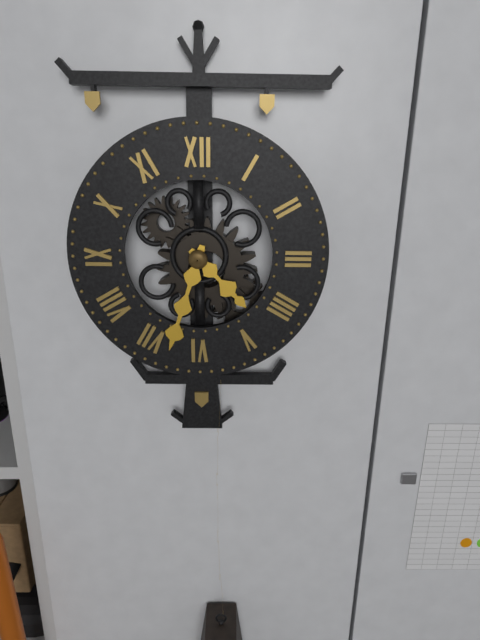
4:33
